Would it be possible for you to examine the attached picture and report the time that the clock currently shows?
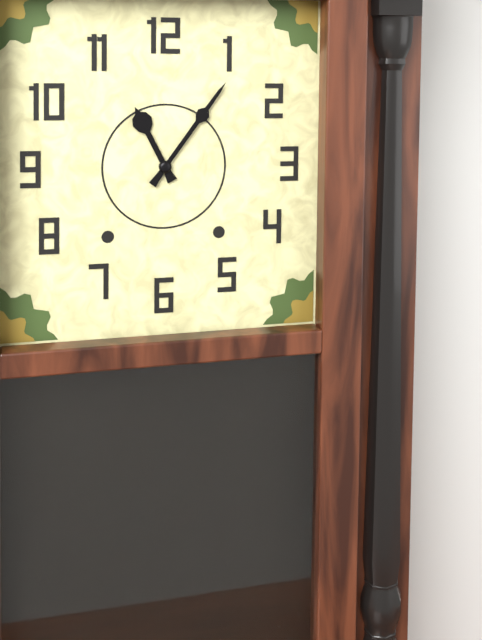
11:06
